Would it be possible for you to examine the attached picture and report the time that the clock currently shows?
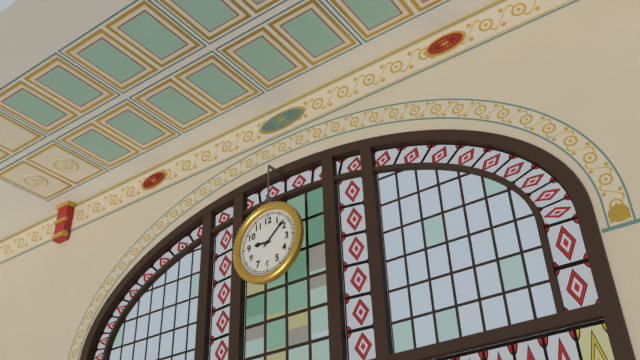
9:08
